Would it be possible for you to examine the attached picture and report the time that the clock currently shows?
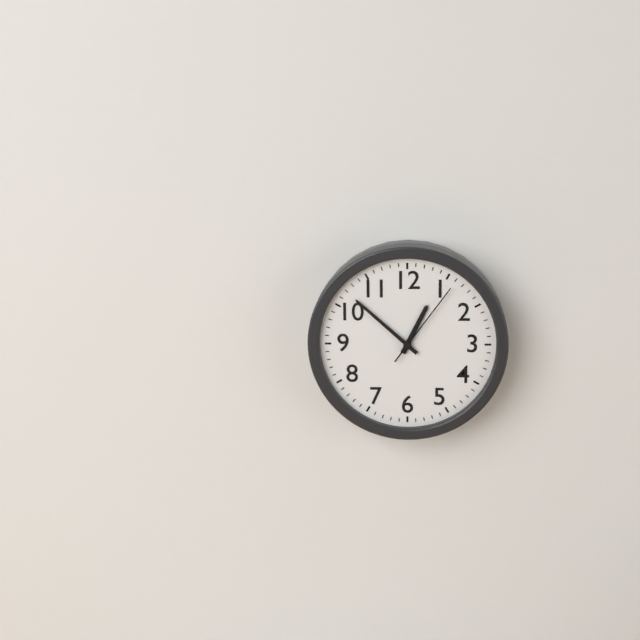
12:52:06
